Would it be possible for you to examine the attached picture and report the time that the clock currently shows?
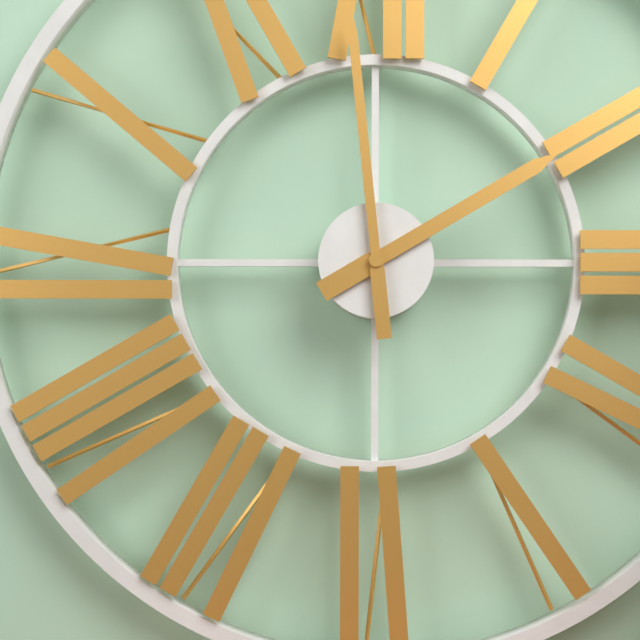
1:59
